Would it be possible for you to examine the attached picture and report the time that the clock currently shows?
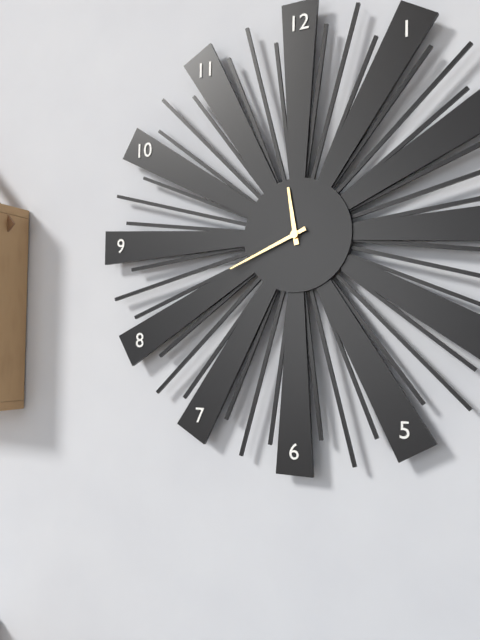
11:41
